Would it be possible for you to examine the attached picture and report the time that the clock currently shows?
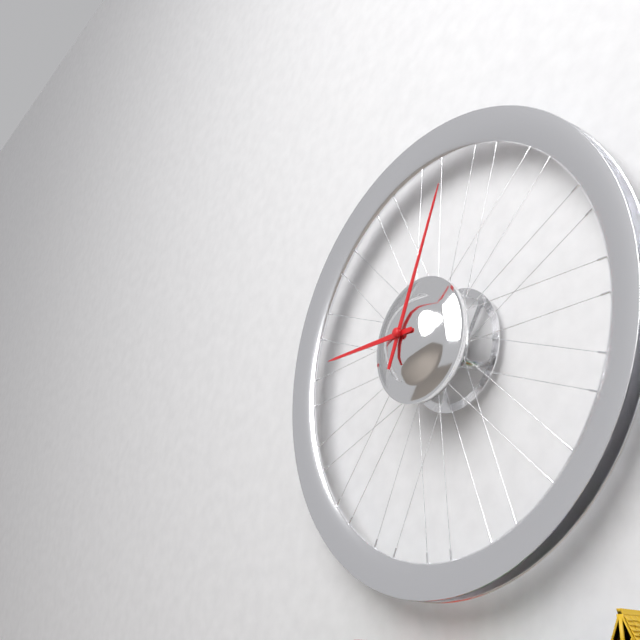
9:04
